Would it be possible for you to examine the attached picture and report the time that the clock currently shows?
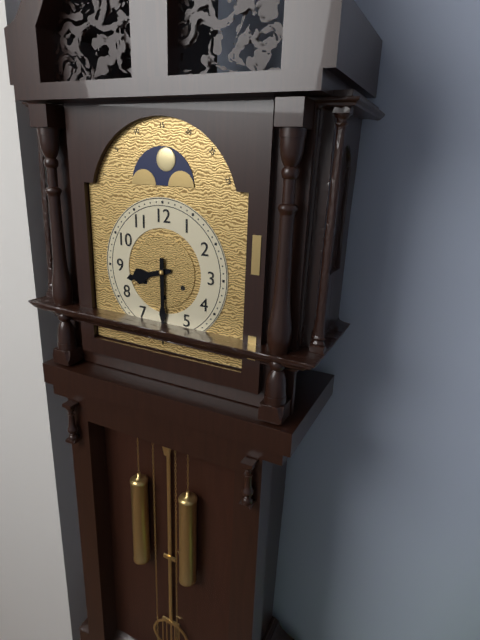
8:30
